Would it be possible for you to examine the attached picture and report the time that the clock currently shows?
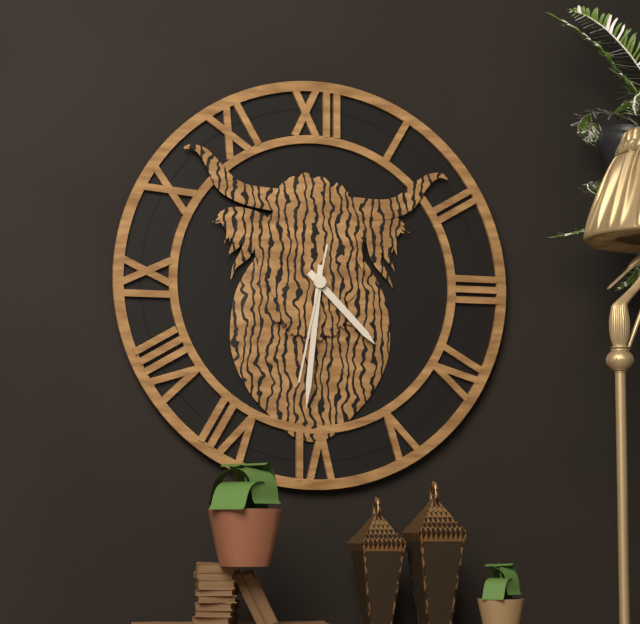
4:31:32
